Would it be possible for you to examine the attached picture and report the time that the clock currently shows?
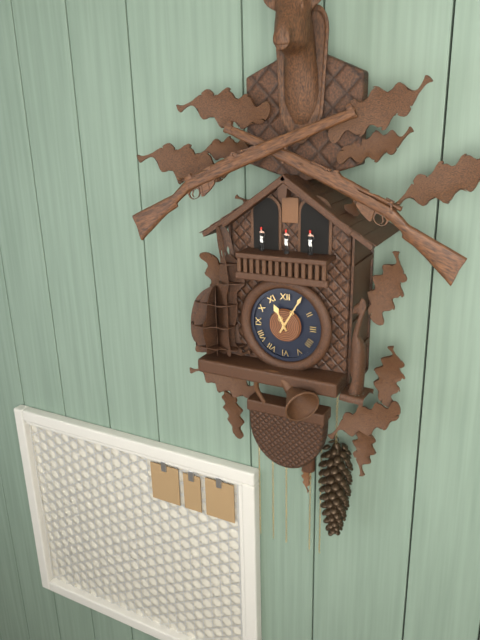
11:05
